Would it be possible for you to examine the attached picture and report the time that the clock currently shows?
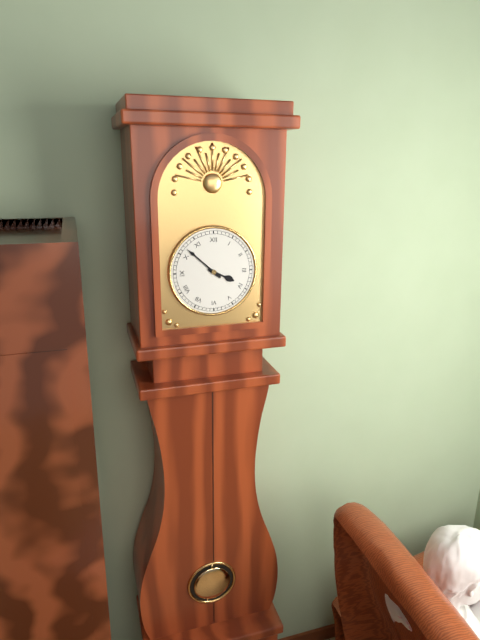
3:52
